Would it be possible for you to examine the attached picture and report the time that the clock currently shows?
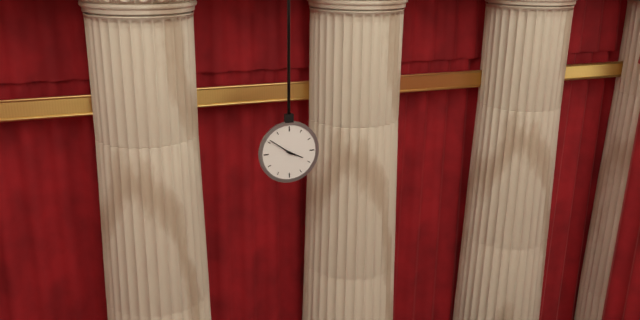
3:51
